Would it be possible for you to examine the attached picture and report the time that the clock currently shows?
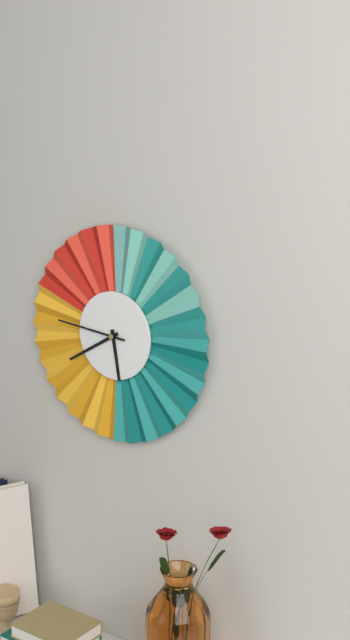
5:40:46
